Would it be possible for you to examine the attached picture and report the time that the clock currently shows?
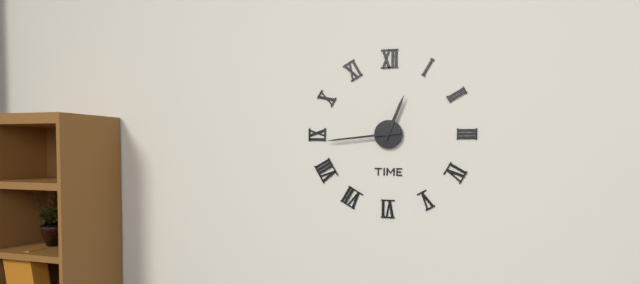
12:44
